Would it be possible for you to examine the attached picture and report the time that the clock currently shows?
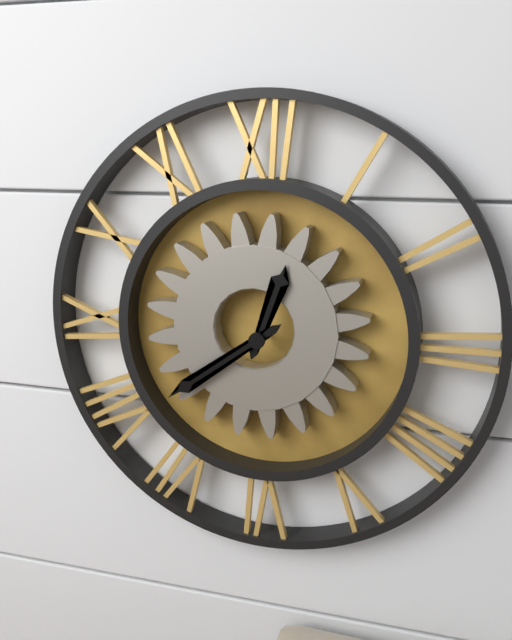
12:39
